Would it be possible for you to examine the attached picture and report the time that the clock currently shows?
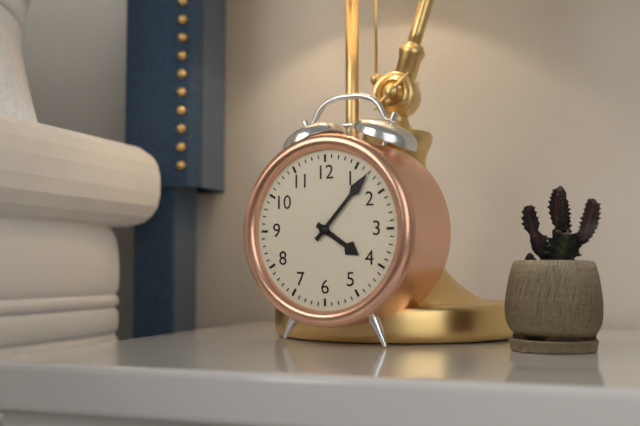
4:07
